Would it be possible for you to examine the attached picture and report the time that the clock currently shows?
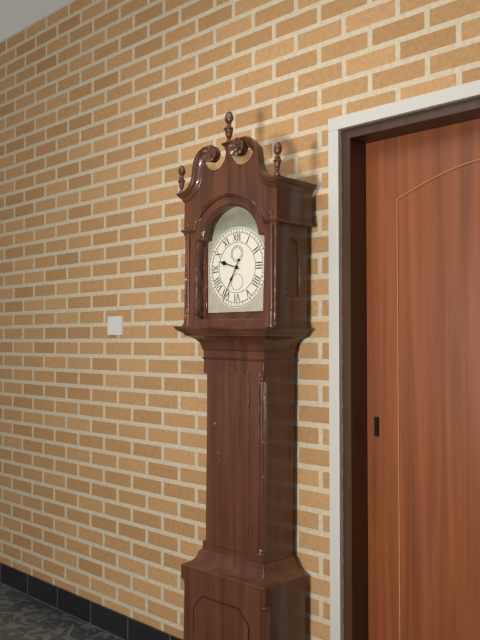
9:35
